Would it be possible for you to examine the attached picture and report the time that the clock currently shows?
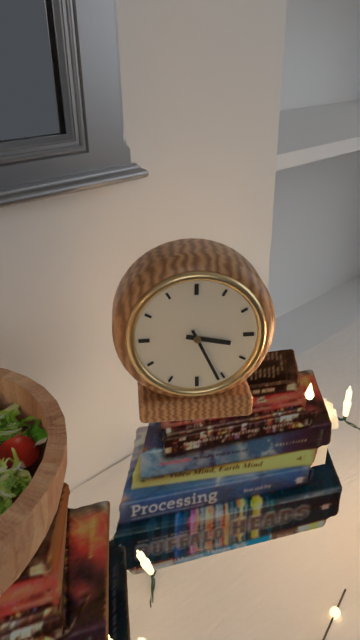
3:26
